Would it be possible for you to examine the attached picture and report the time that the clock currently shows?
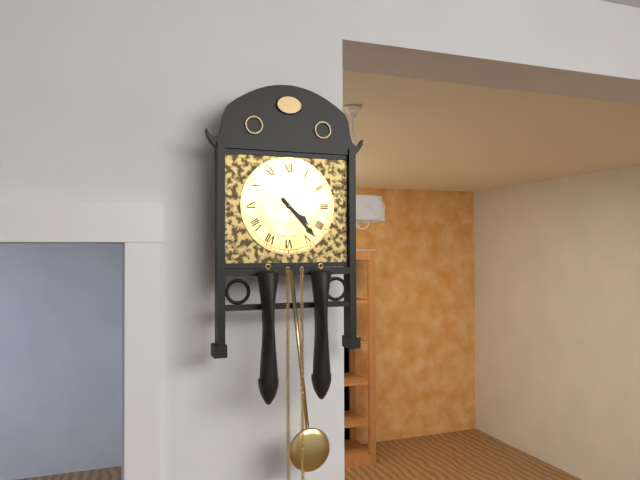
4:23
